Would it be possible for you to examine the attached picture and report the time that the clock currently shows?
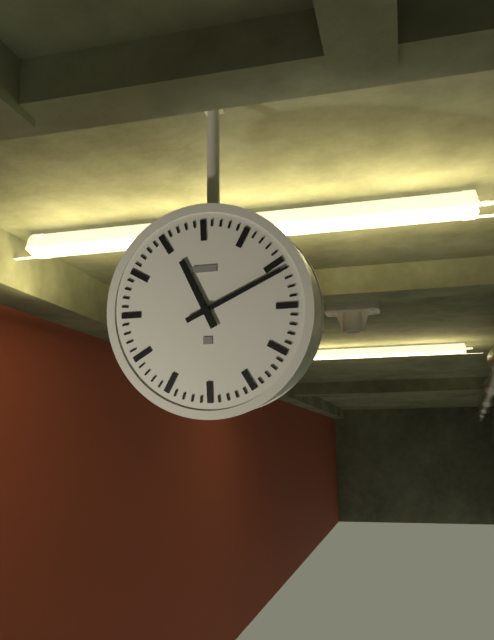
11:11
